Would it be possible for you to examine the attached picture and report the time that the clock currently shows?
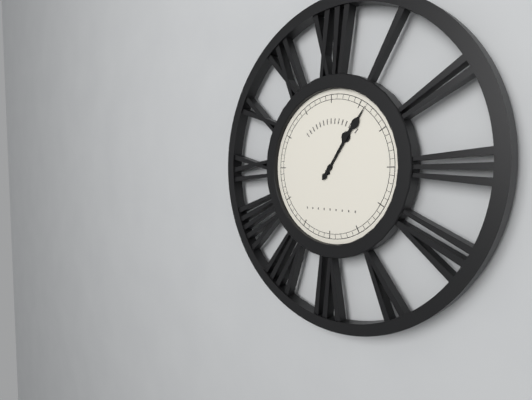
1:06
